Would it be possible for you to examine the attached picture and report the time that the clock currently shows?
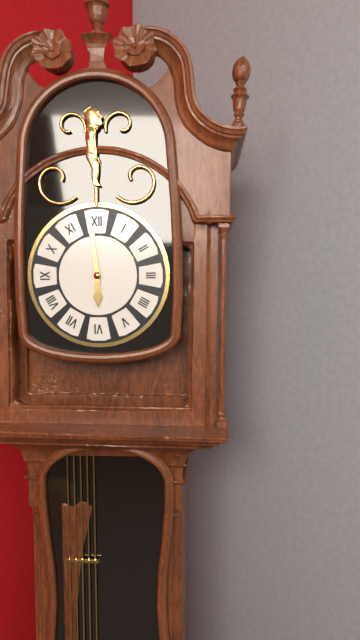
5:59
